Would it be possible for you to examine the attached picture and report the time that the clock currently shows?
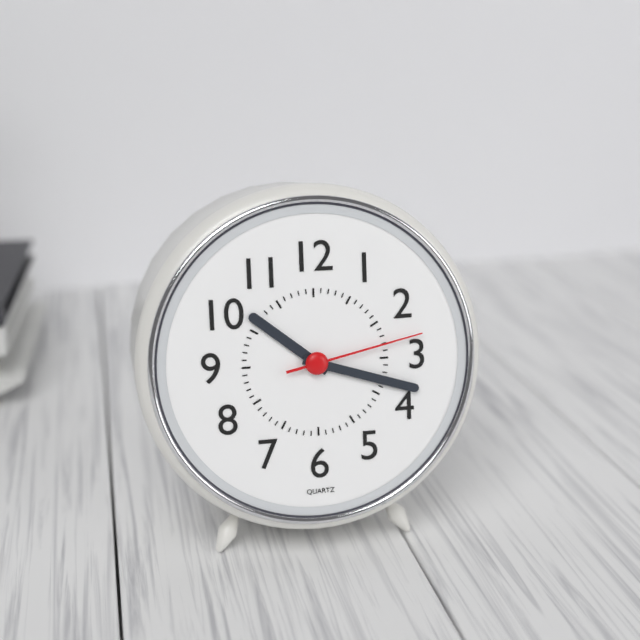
10:18:13
